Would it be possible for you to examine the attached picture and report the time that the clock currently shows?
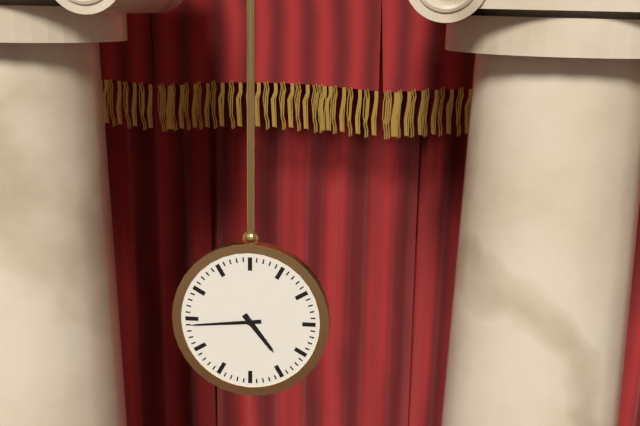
4:44
